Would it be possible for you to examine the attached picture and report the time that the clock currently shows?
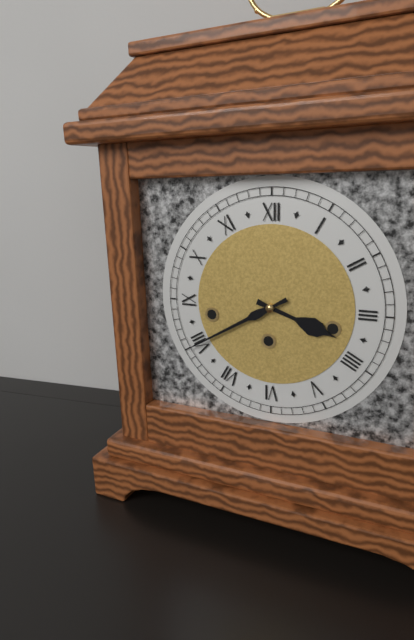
3:40
